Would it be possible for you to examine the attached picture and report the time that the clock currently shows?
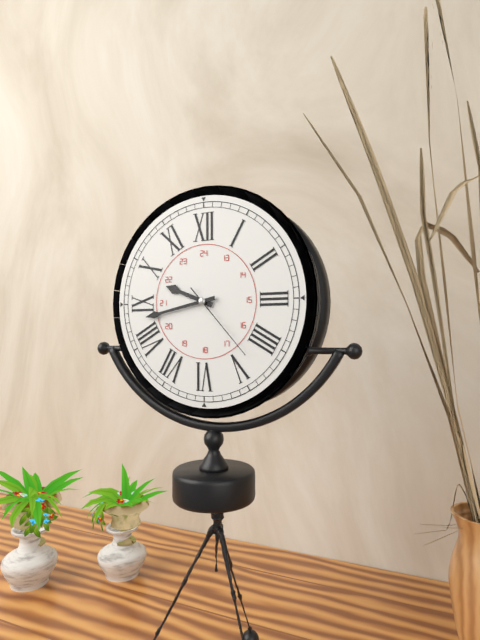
9:43:23
